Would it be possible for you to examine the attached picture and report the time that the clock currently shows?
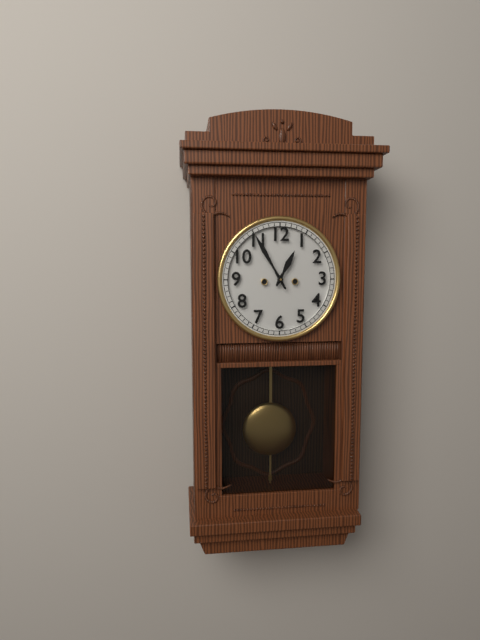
12:55
